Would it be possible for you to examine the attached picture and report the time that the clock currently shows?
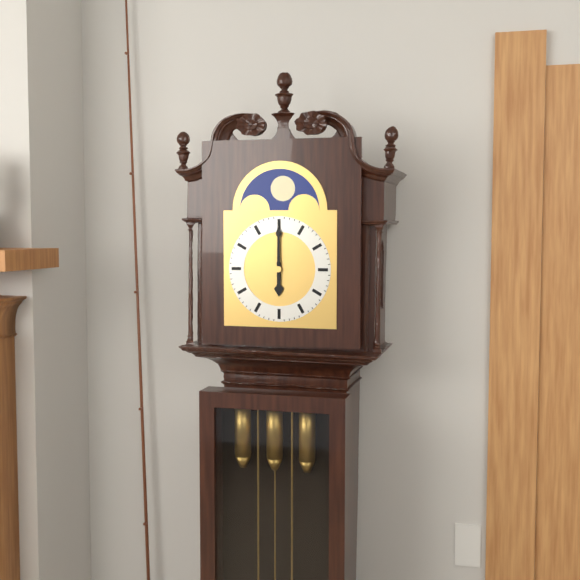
6:00
